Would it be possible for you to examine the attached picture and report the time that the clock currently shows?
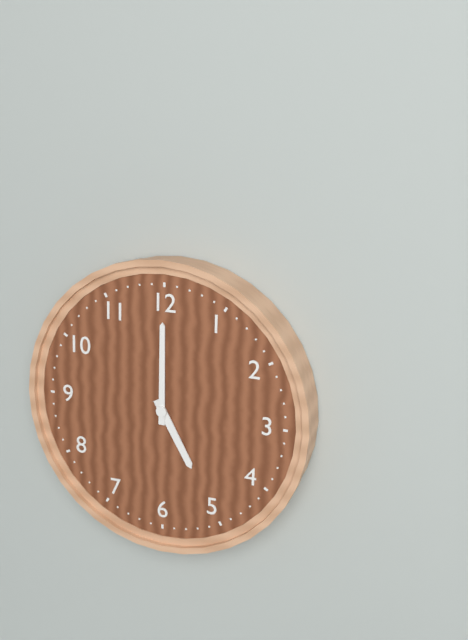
5:00
